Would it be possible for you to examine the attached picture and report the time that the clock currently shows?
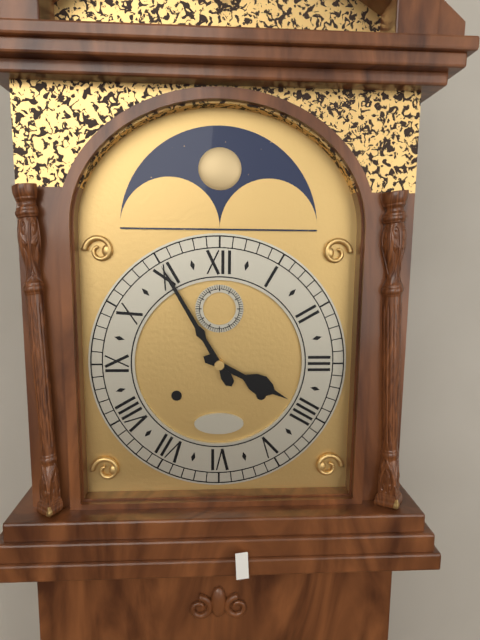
3:55
